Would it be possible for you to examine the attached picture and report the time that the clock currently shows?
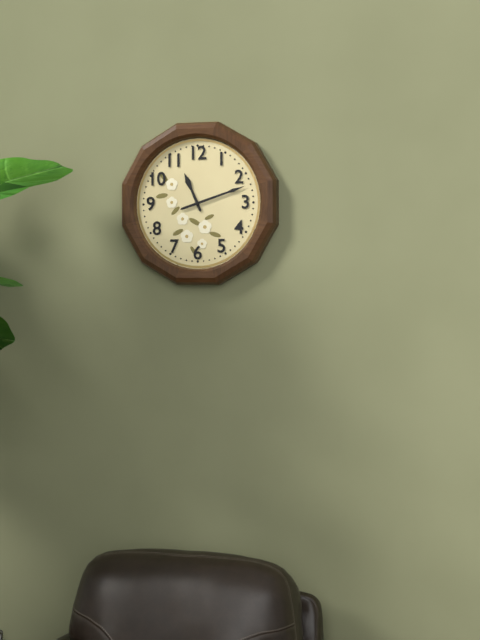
11:12
